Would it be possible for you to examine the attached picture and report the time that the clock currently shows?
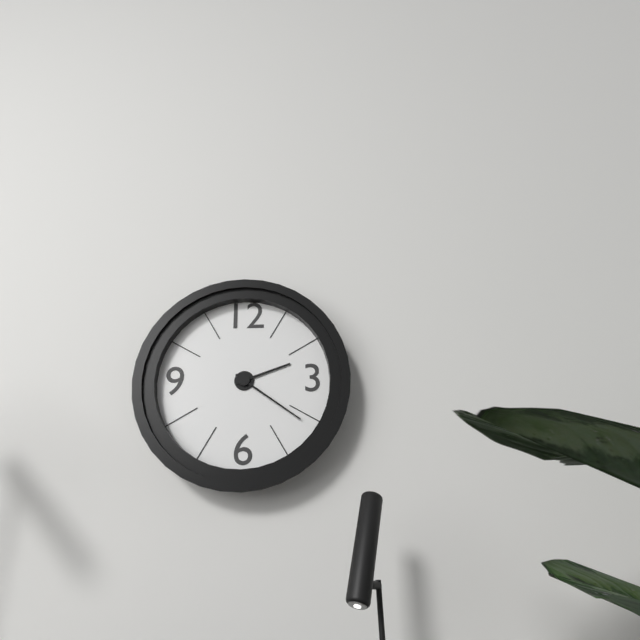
2:21
